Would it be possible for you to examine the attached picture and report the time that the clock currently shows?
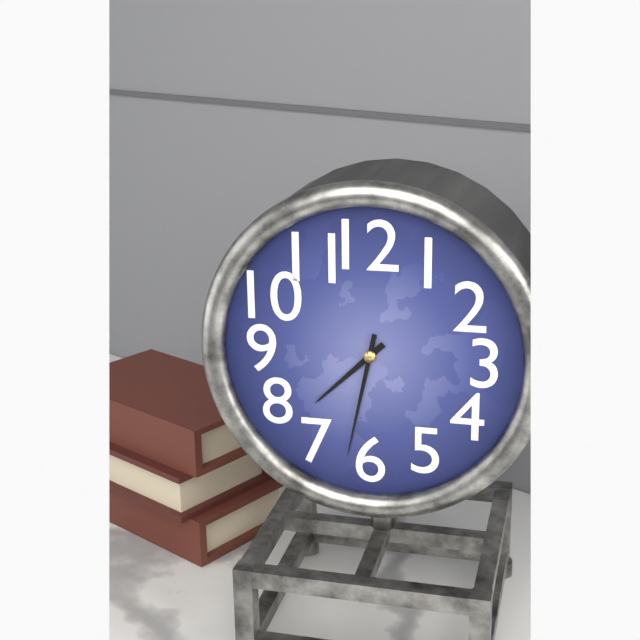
7:32
